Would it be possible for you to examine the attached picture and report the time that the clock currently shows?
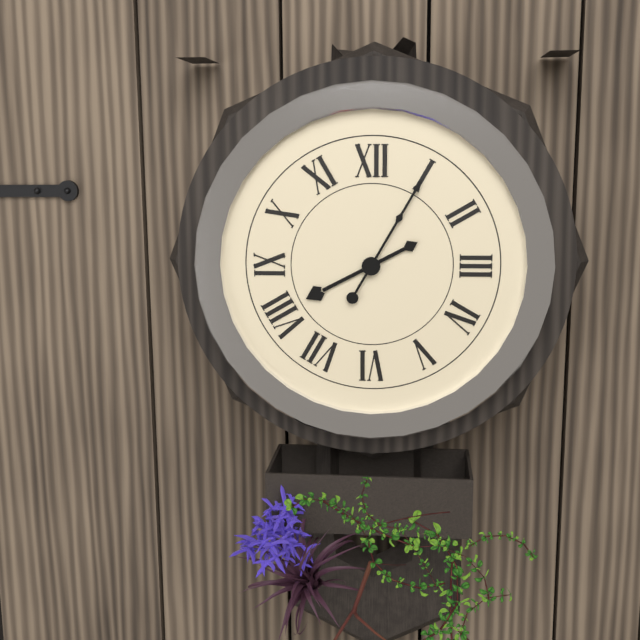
8:05
